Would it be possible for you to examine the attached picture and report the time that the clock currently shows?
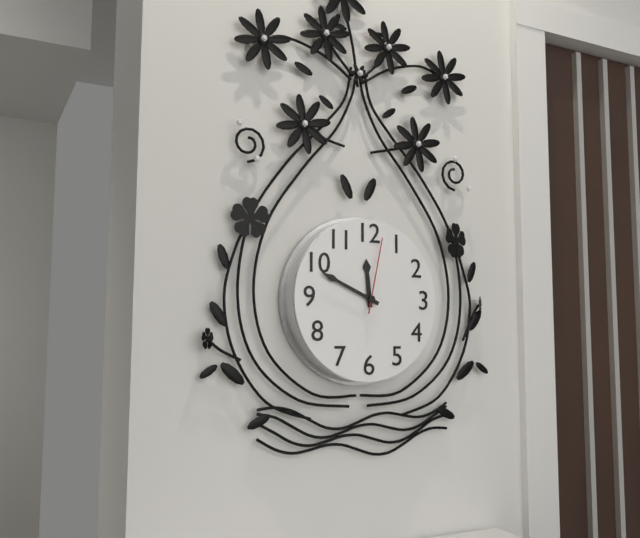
11:49:02
